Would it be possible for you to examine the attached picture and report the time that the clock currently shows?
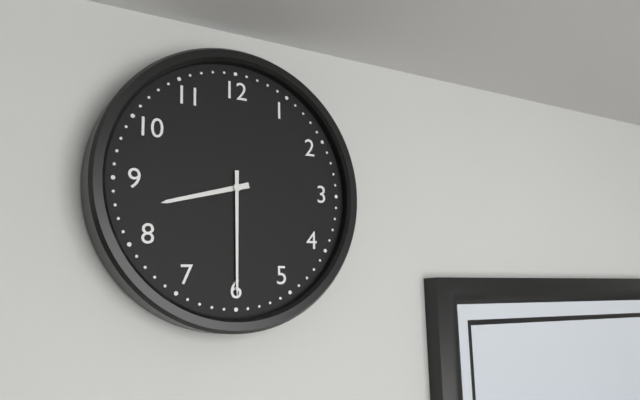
8:30
